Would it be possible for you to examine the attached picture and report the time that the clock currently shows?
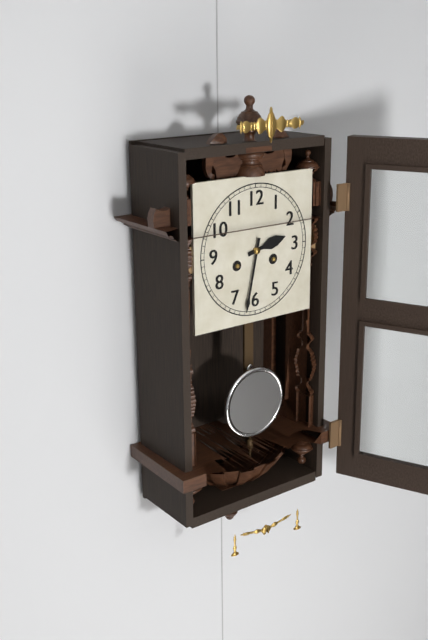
2:32
